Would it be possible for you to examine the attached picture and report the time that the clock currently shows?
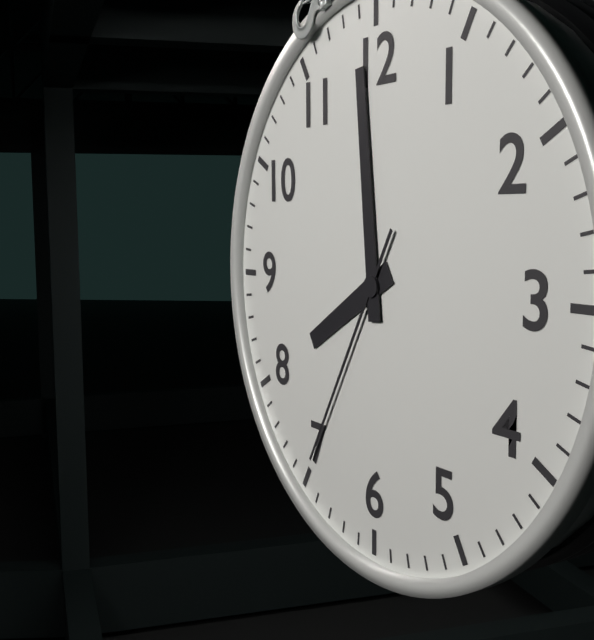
7:59:35
